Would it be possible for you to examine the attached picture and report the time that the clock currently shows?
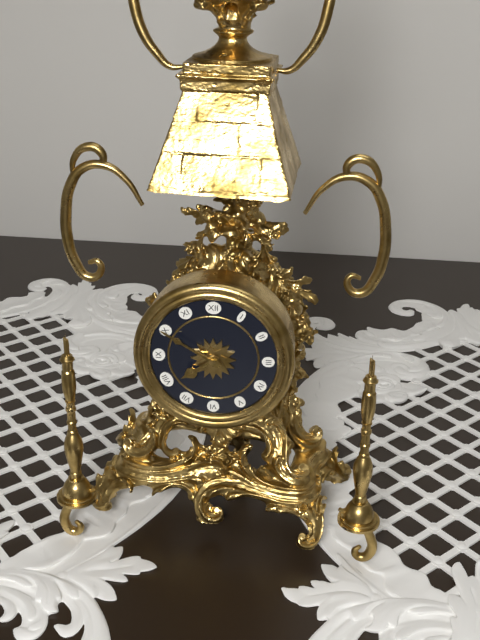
7:50
